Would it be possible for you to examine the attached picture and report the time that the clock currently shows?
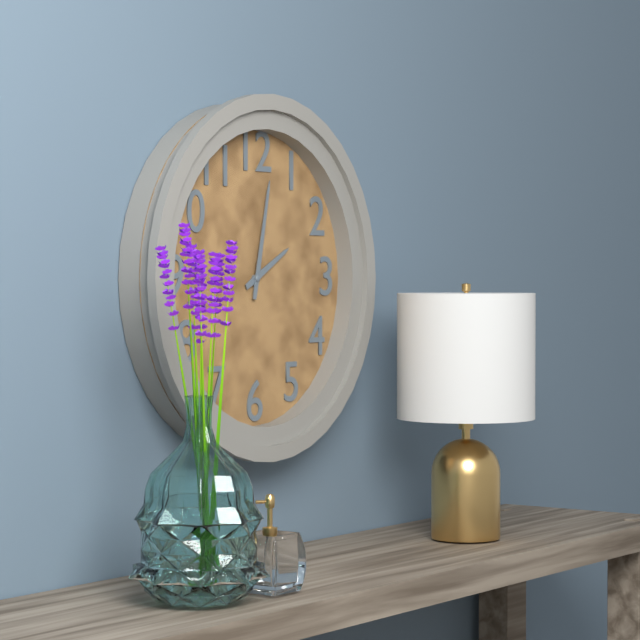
2:02
